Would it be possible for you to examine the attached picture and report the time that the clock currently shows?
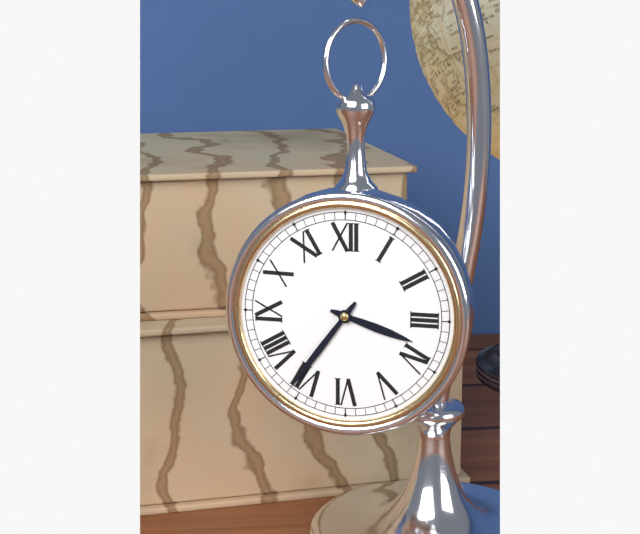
3:36
